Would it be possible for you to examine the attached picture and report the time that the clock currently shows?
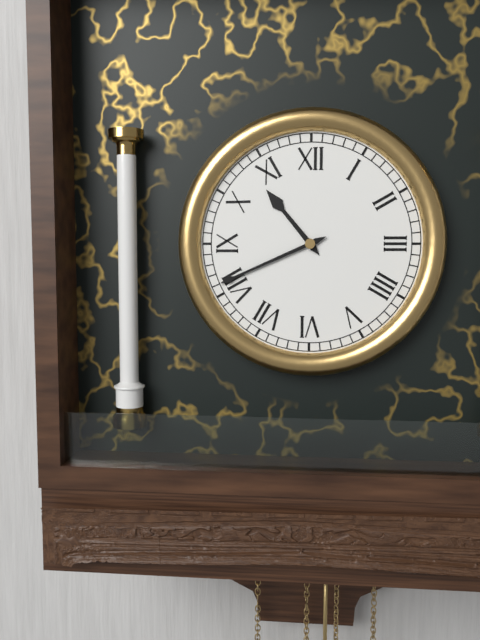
10:41
